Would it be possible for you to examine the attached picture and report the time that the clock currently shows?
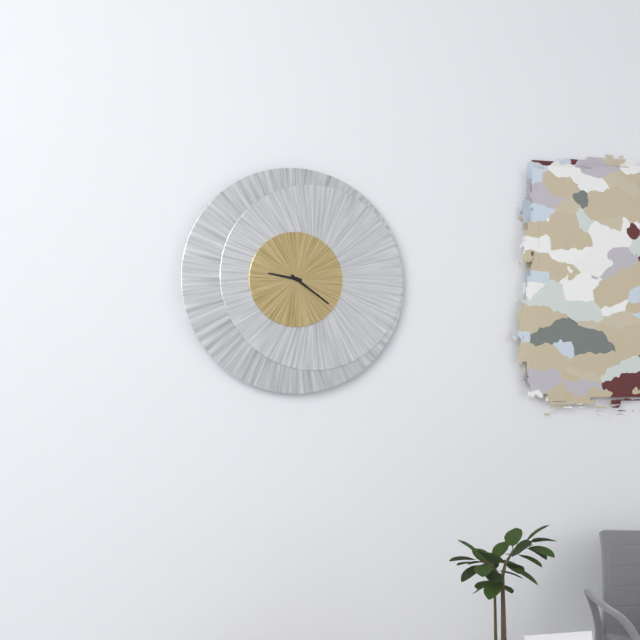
9:21
